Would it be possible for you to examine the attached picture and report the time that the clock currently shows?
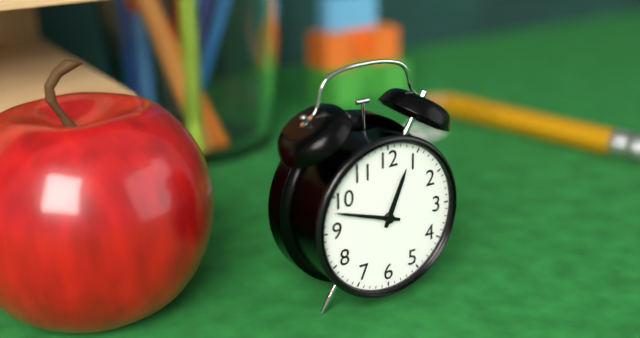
12:48
